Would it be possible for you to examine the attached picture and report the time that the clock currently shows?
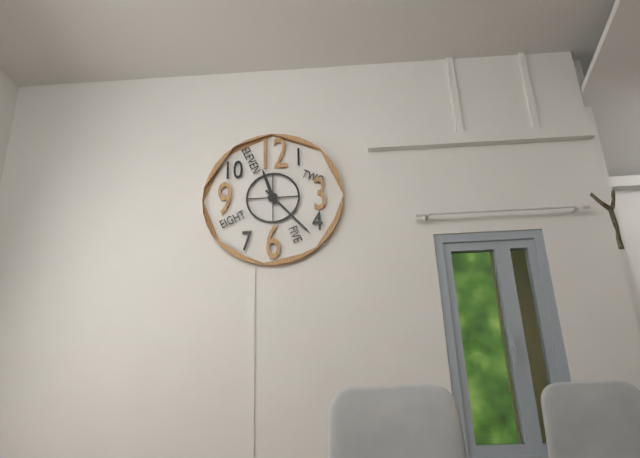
11:23
